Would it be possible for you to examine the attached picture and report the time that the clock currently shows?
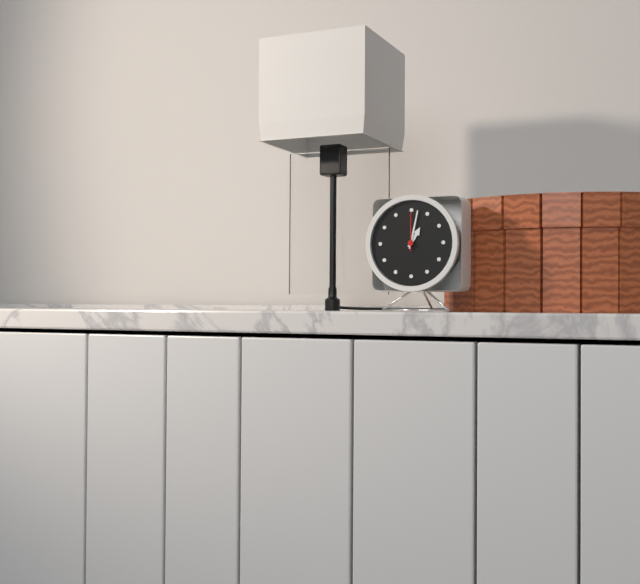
1:02
